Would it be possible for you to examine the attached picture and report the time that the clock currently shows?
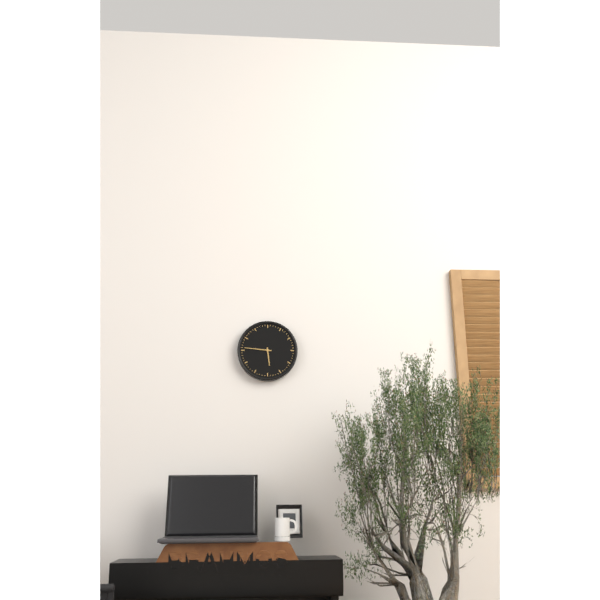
5:46
